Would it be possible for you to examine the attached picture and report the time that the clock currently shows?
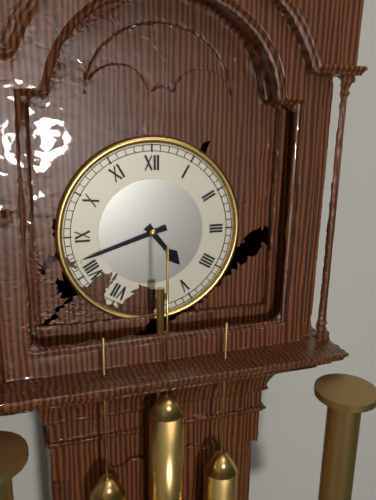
4:42
